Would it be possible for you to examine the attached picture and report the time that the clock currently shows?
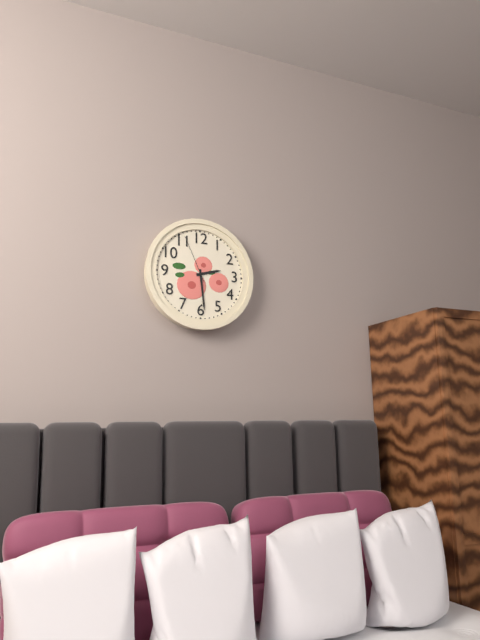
2:29:56
